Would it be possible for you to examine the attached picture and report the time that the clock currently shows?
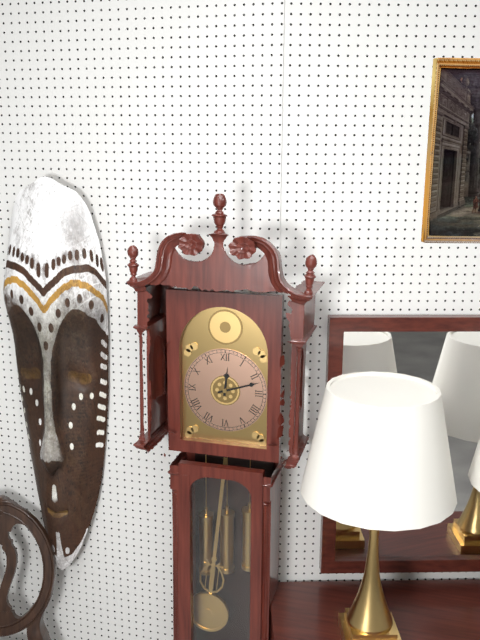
12:12
